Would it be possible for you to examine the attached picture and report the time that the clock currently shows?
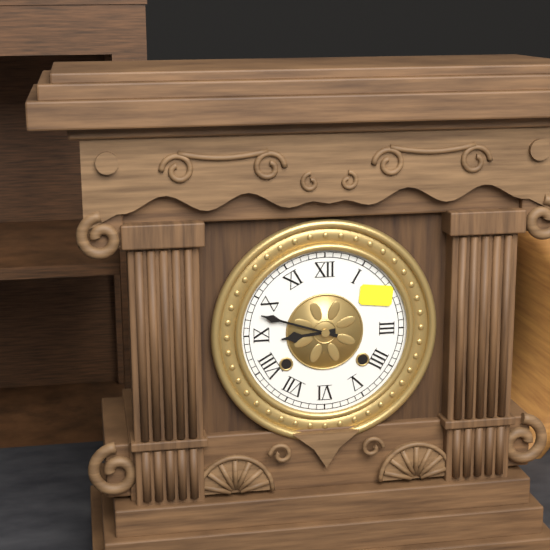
8:48
